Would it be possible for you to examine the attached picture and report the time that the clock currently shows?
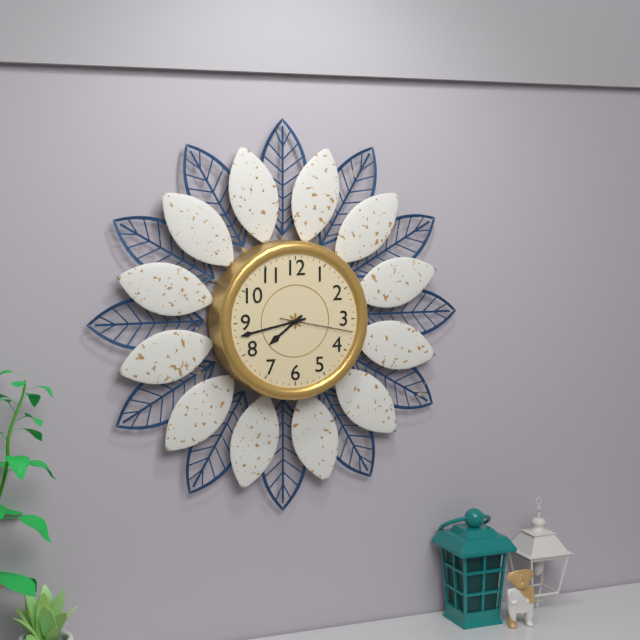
7:43:17
